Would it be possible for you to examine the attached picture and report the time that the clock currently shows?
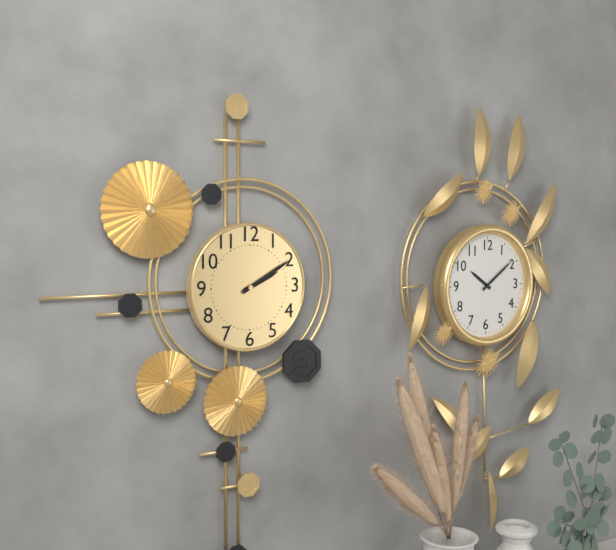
2:10
